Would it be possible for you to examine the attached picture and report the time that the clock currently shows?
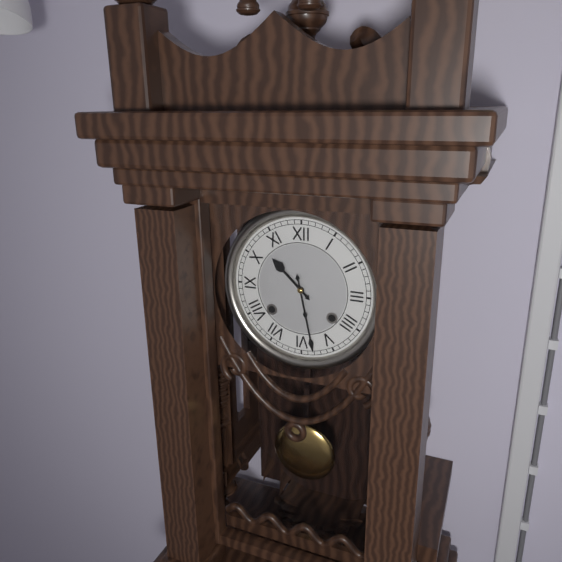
10:28
